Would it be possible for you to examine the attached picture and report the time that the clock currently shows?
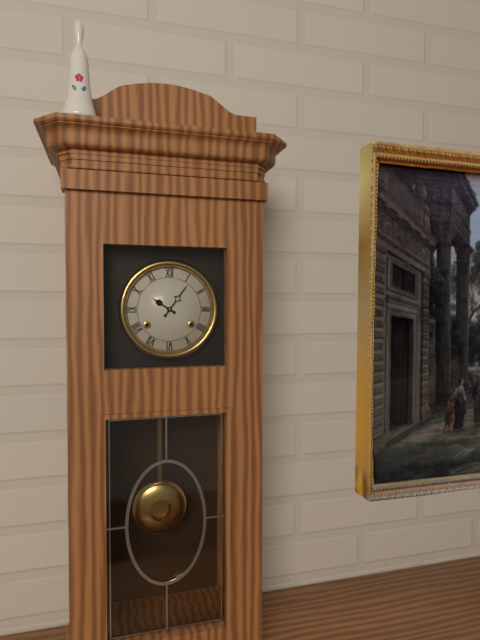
10:06
